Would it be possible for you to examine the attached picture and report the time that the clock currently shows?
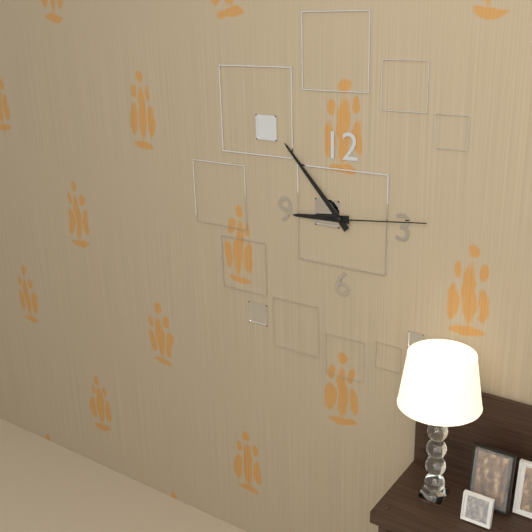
8:53:14
